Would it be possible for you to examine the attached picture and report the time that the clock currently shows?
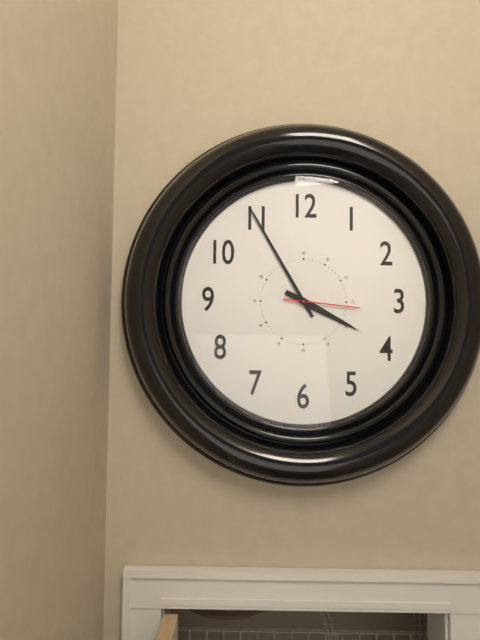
3:55:16
